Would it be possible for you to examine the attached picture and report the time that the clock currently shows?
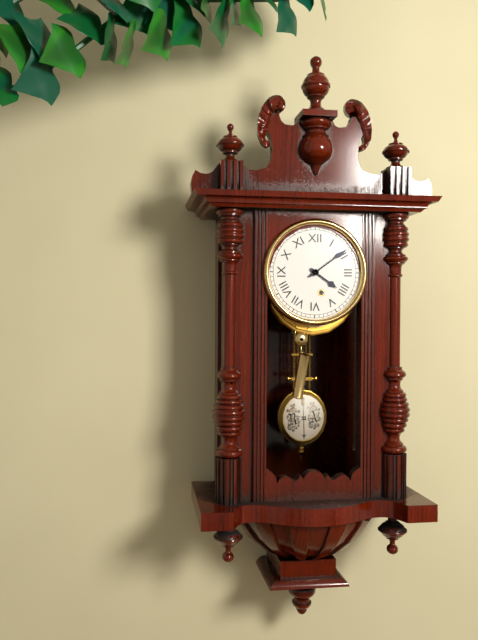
4:09
